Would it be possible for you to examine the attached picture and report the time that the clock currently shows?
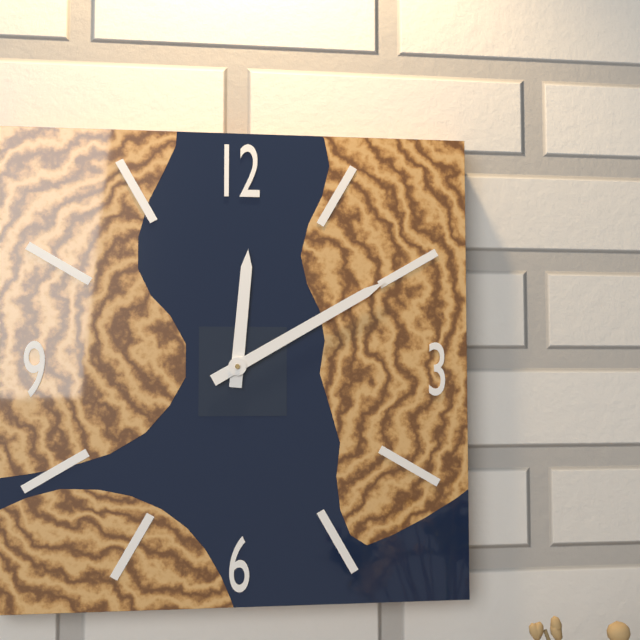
12:10
